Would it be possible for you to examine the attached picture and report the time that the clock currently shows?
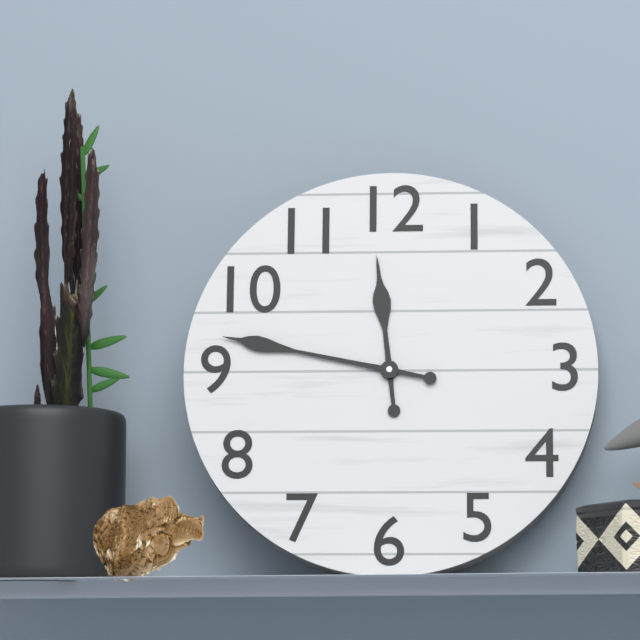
11:47
